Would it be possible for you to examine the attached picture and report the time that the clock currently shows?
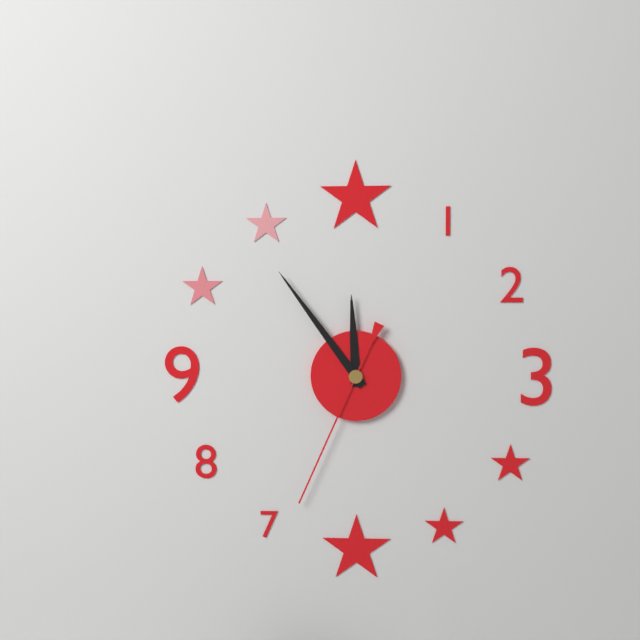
11:54:34
